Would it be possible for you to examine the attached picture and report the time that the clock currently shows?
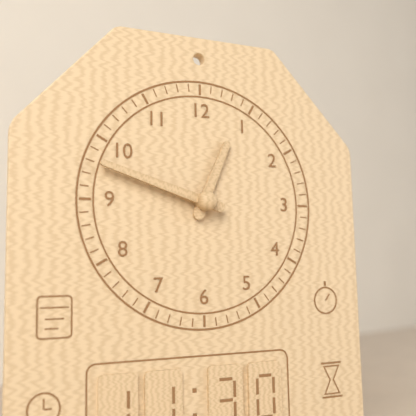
12:48
